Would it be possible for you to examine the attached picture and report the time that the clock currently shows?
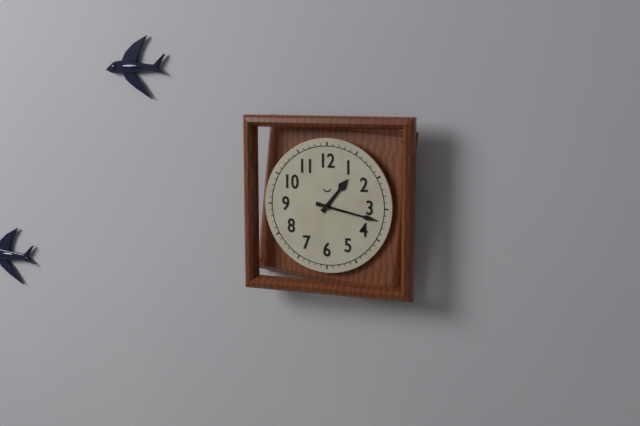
1:17
